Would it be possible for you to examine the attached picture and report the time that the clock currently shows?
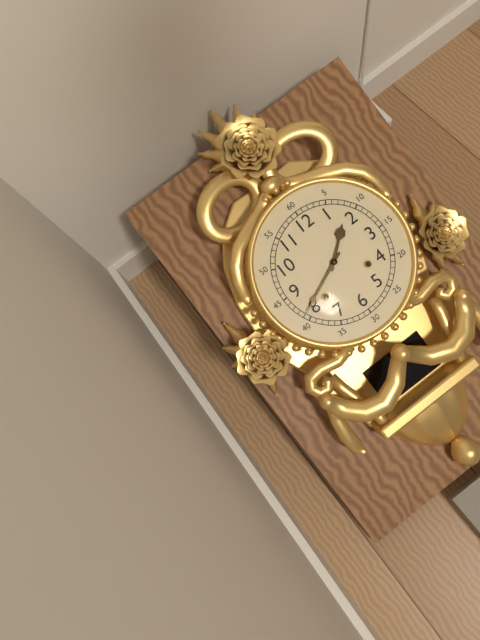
1:41
